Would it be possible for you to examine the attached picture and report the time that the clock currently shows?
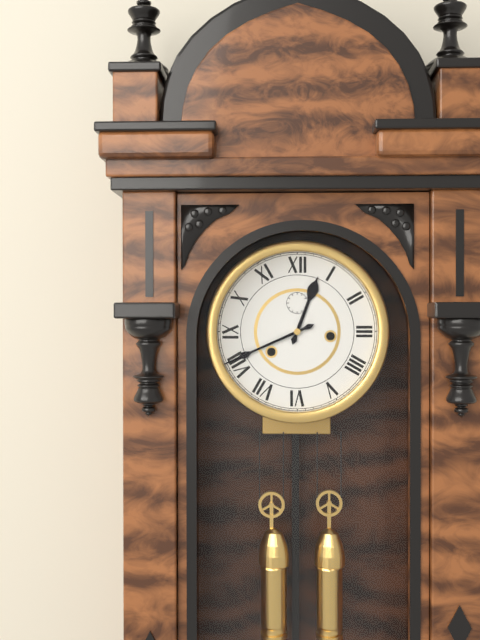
12:41
